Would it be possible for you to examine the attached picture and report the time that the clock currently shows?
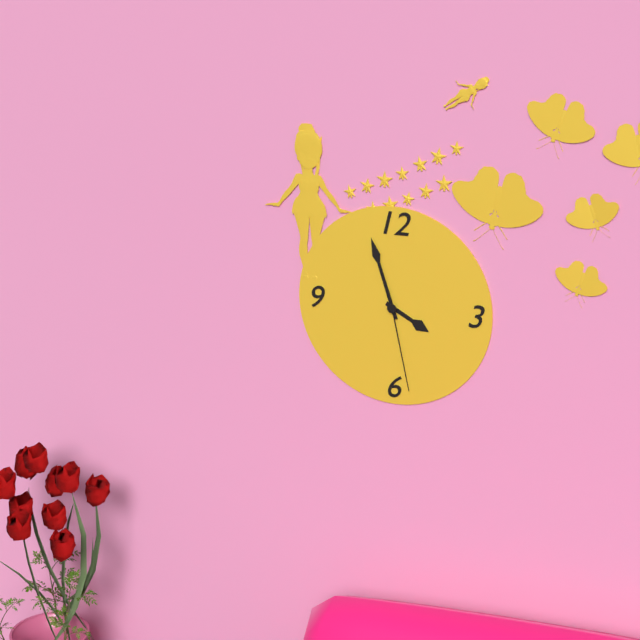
3:57:28
